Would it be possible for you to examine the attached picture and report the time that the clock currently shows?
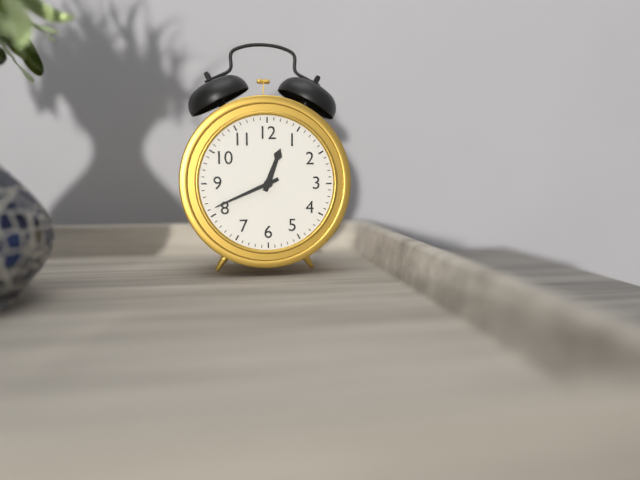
12:41
